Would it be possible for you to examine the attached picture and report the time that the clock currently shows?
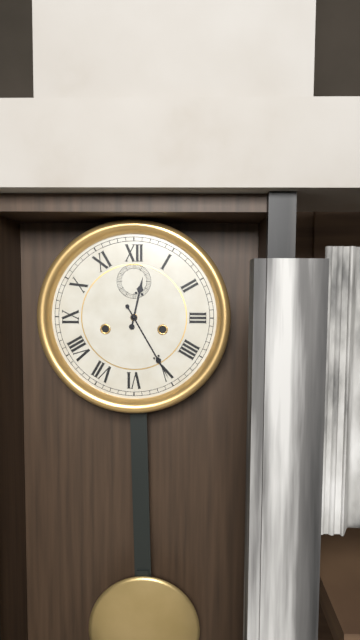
12:25
